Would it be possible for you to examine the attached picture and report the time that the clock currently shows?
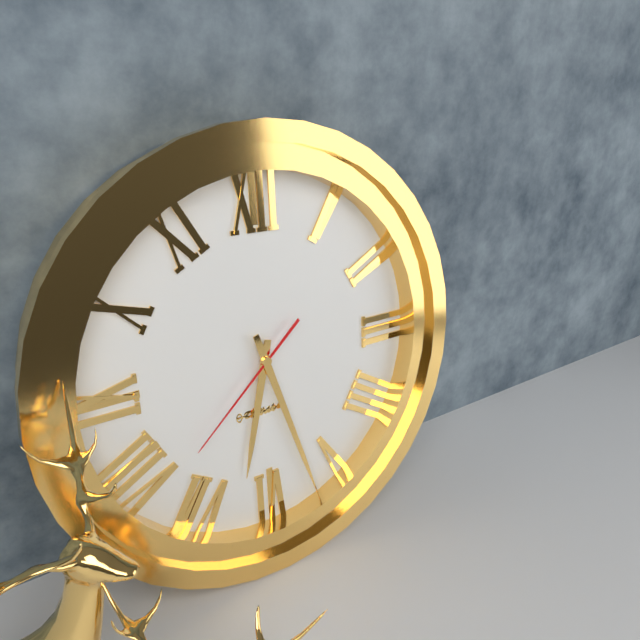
6:27:38
